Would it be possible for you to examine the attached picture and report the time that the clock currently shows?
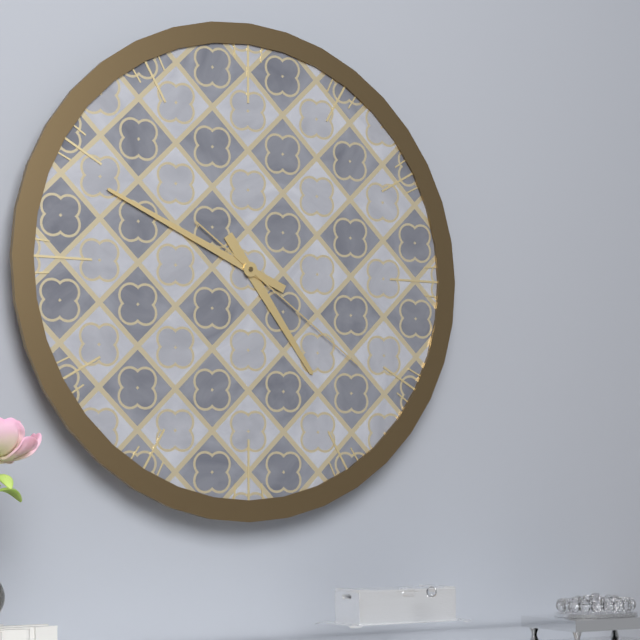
4:49:21
